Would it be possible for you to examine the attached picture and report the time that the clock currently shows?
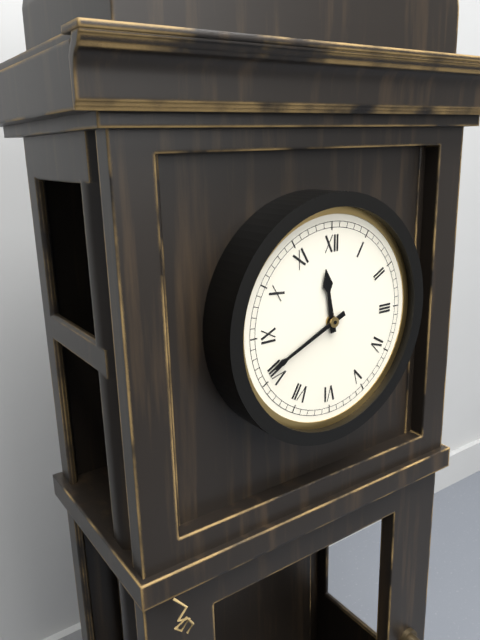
11:41
